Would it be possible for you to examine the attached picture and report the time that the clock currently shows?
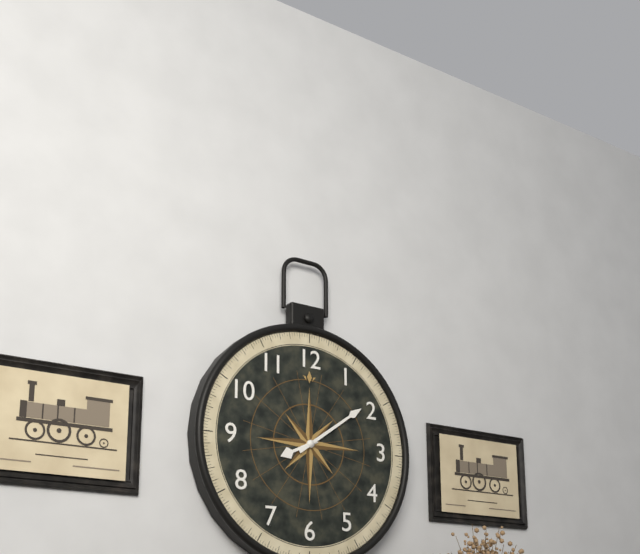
8:09
